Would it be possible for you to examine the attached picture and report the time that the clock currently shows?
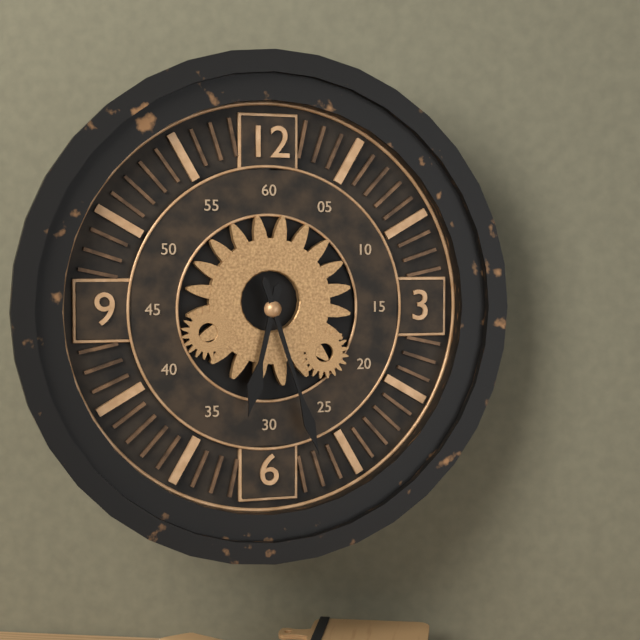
6:27
